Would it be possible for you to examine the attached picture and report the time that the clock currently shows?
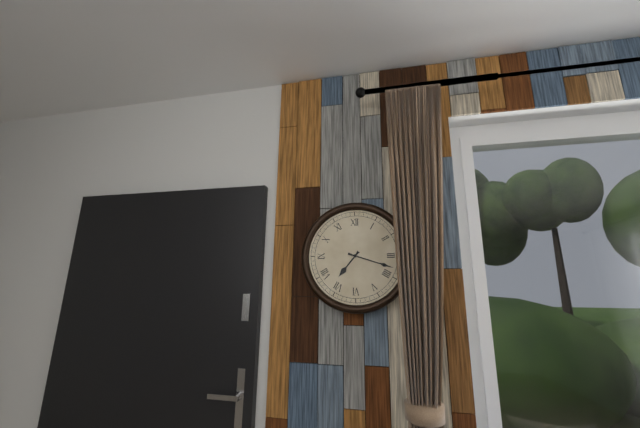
7:18
